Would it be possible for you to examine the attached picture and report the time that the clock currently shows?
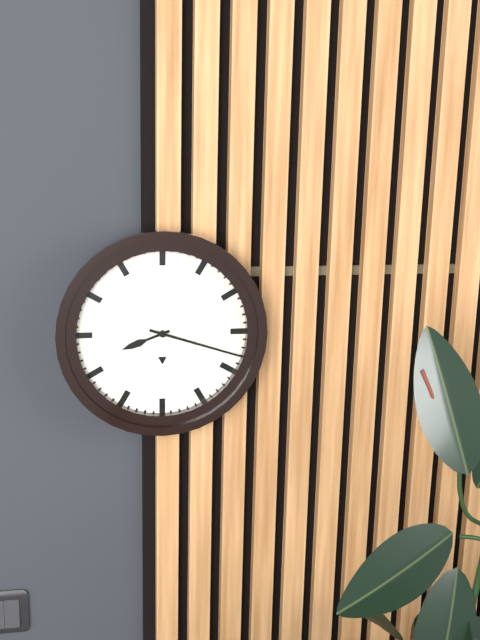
8:18
